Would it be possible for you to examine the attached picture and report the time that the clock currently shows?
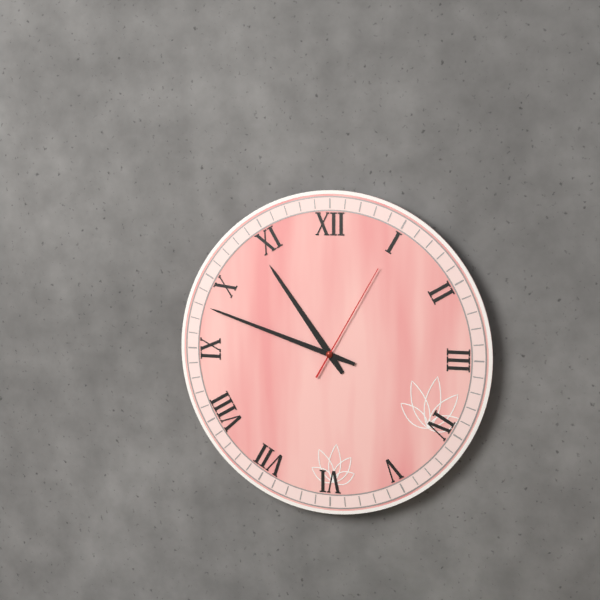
10:48:05
